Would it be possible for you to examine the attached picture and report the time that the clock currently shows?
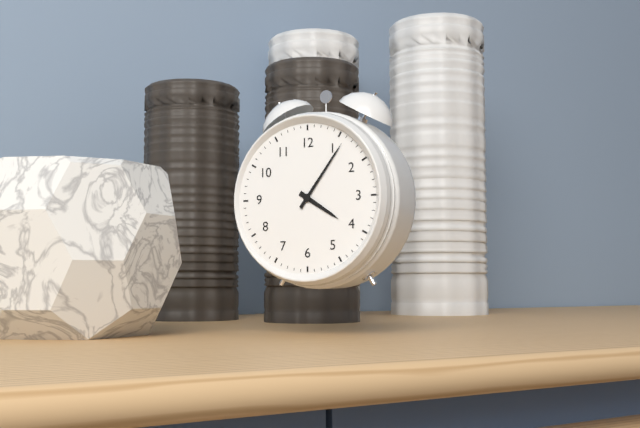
4:06
